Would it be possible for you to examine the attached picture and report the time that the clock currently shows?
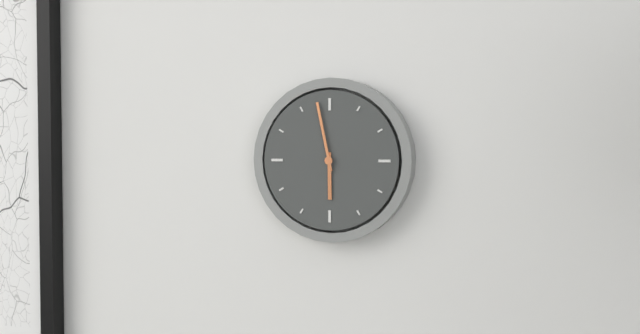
5:58
